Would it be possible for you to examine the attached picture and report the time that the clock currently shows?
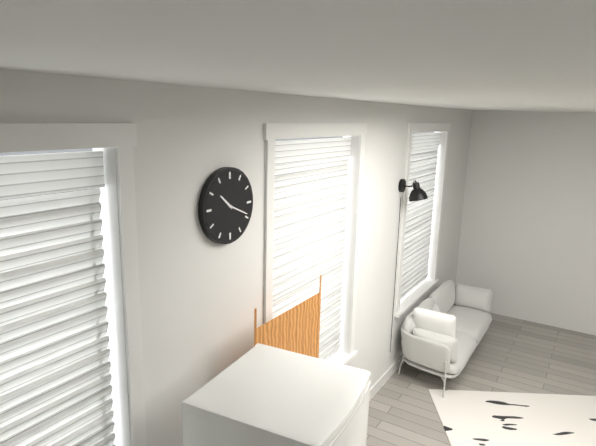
10:19
